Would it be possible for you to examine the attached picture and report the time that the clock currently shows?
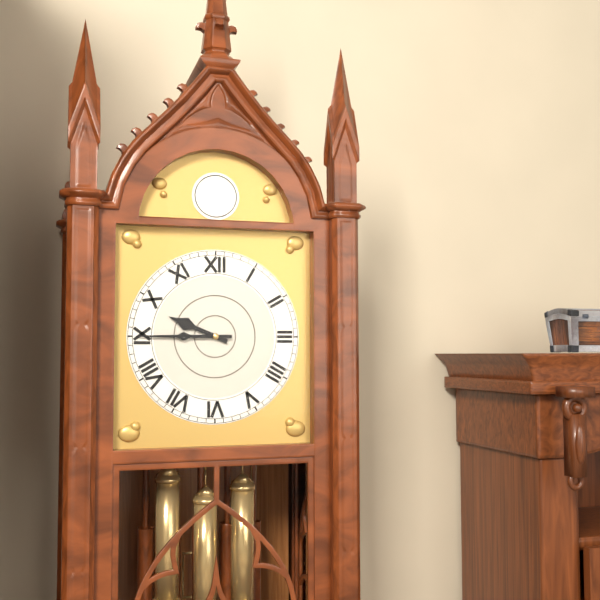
9:45
